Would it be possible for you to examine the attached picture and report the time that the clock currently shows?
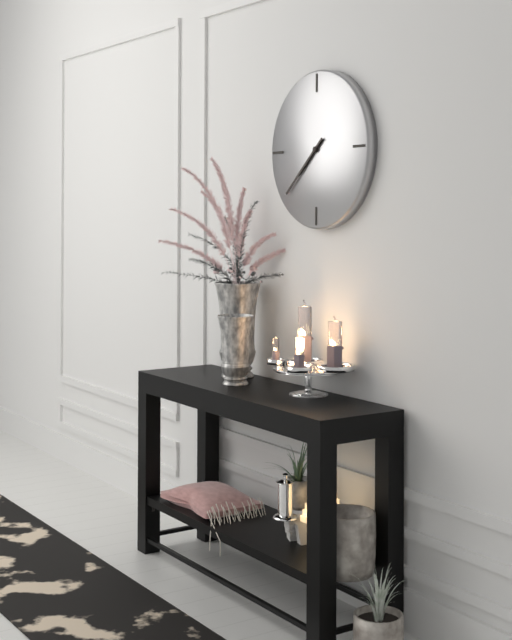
7:38
